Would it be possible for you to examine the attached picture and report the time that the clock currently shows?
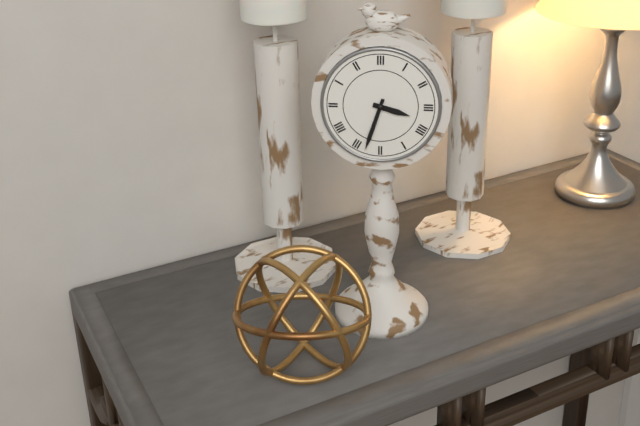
3:33
